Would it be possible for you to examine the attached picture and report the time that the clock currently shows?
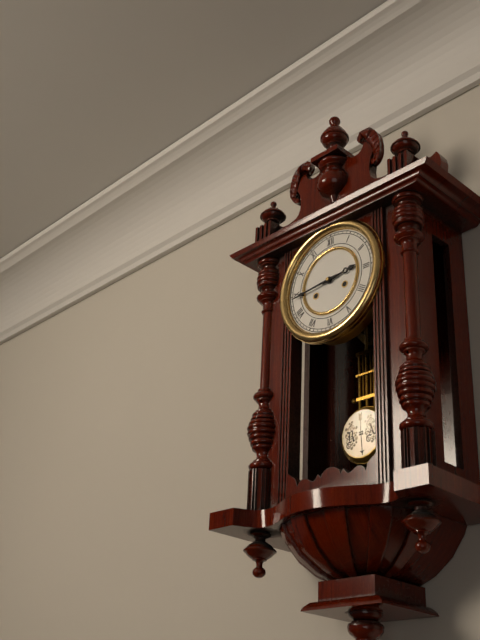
2:44
